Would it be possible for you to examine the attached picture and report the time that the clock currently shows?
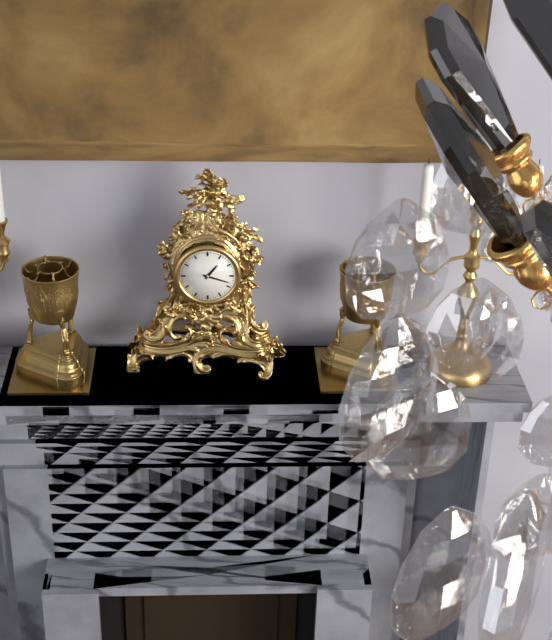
1:18
